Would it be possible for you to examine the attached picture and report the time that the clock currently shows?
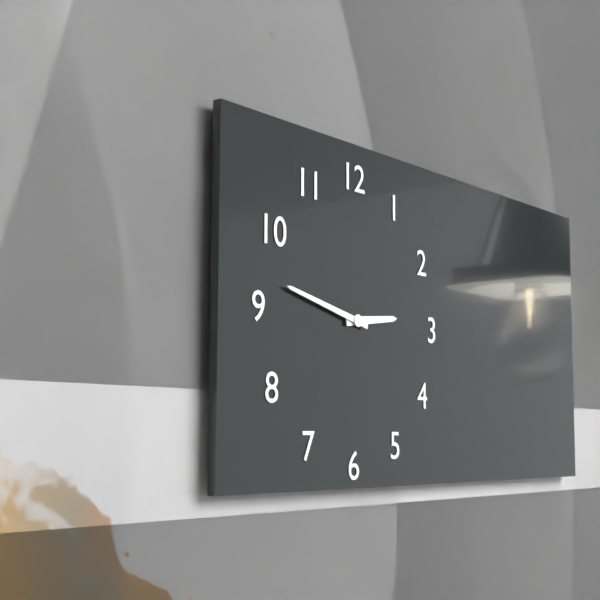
2:47
